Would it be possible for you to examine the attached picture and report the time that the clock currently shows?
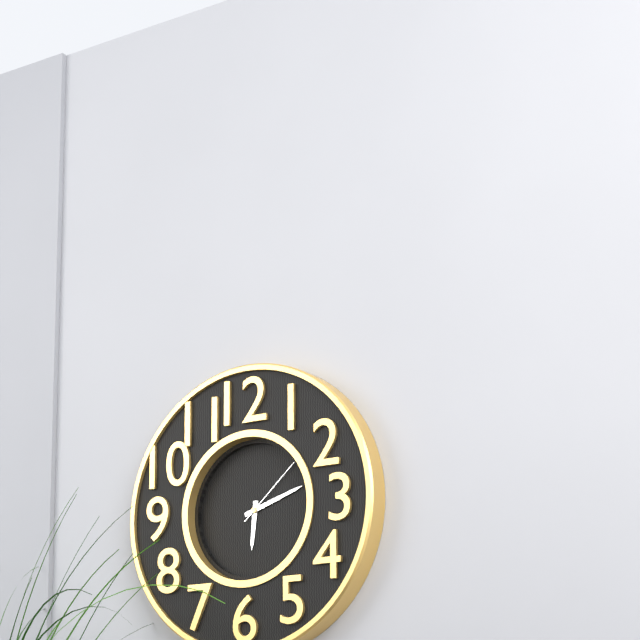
6:12:08
